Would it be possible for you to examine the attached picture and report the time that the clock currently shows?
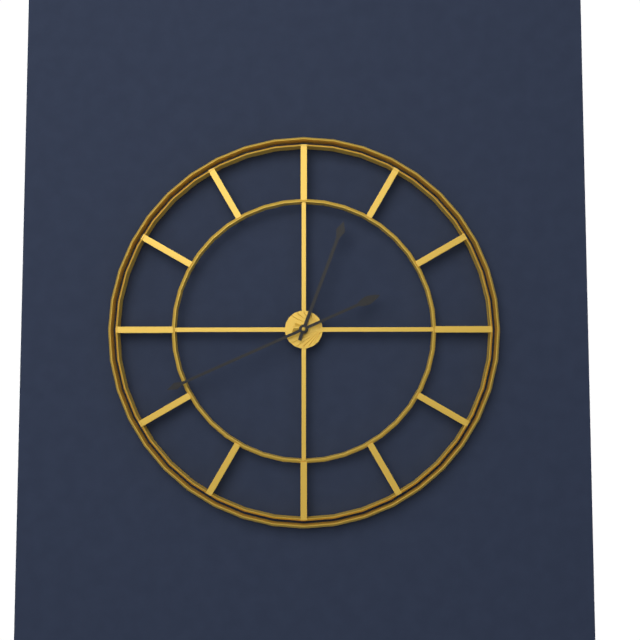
12:41
